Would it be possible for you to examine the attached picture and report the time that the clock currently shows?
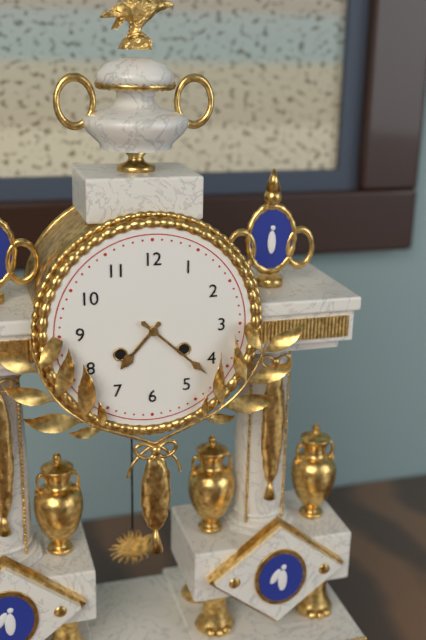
7:22
